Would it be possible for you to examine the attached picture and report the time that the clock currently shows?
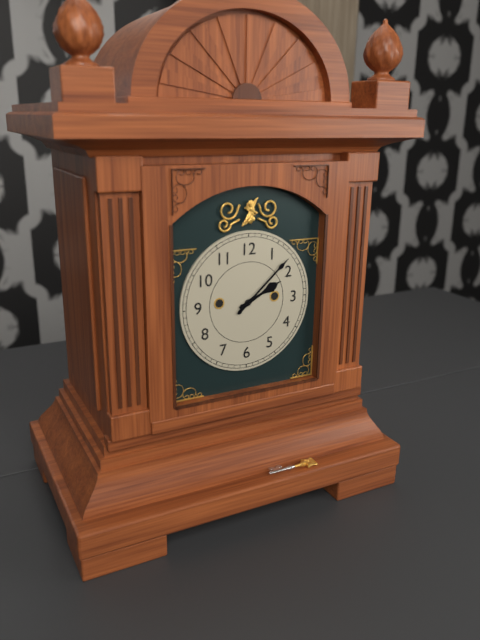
2:08
